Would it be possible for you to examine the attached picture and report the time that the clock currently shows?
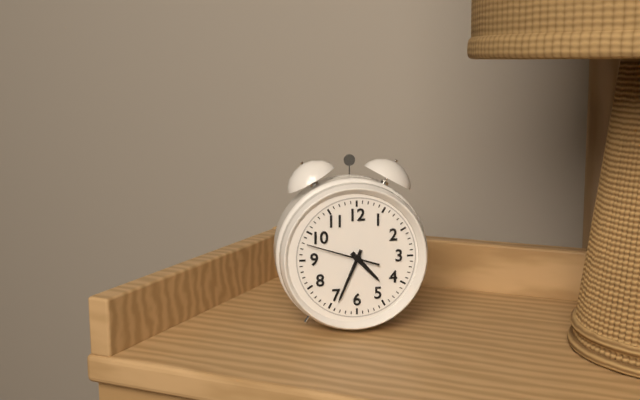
4:34:48
